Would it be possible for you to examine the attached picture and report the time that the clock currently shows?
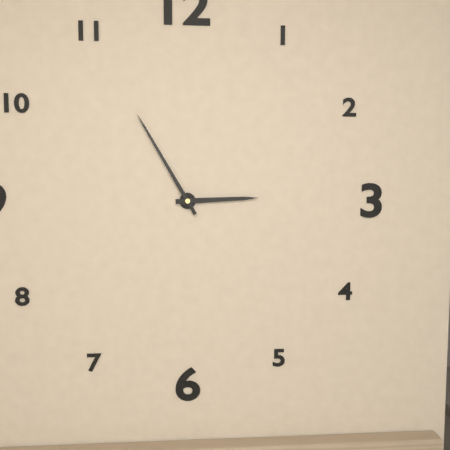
2:55
